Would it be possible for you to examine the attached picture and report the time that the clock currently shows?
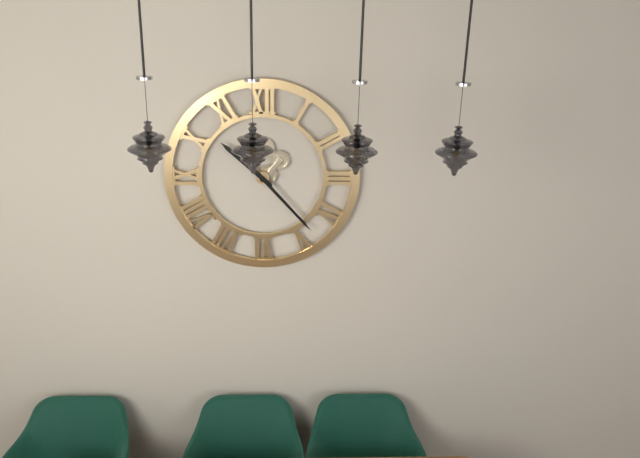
10:23
